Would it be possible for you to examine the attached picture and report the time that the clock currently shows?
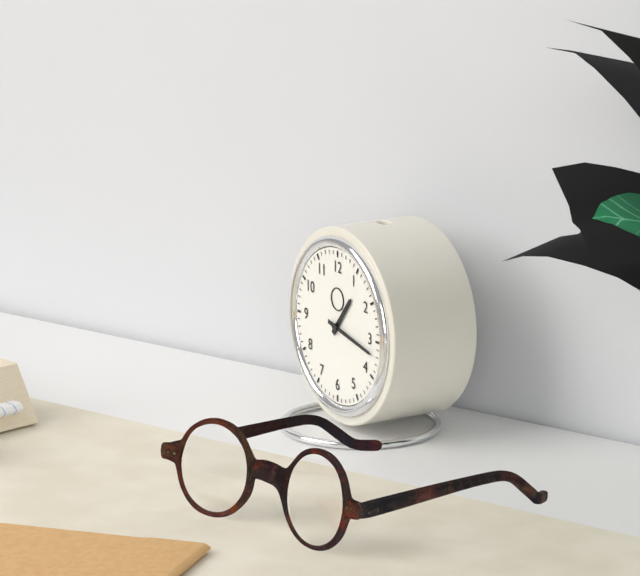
1:17
